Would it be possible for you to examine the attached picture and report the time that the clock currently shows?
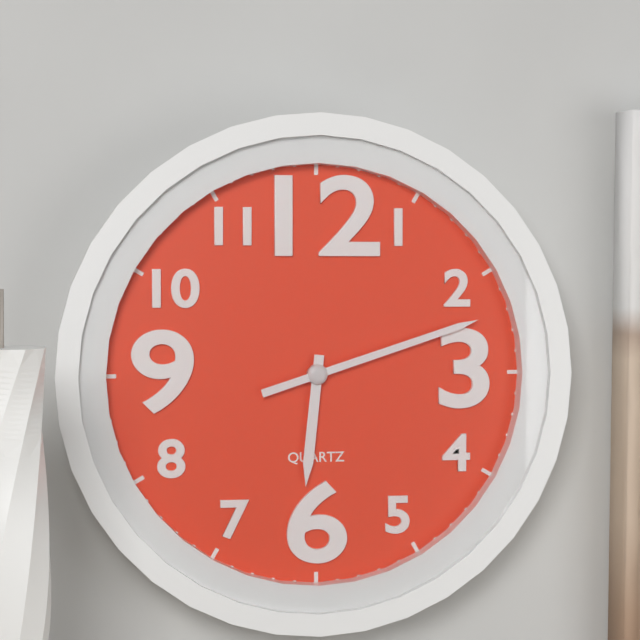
6:12
